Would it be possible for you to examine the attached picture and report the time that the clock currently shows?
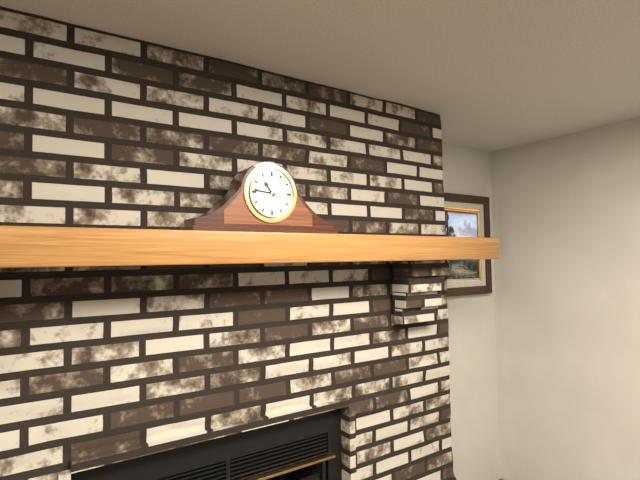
10:46
